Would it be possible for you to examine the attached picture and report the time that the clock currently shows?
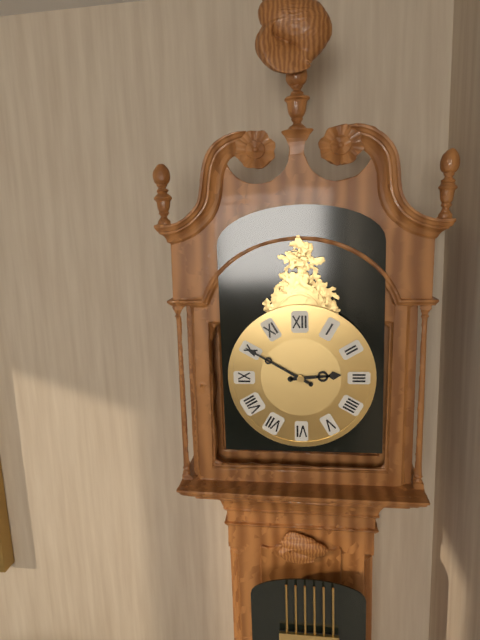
2:50
